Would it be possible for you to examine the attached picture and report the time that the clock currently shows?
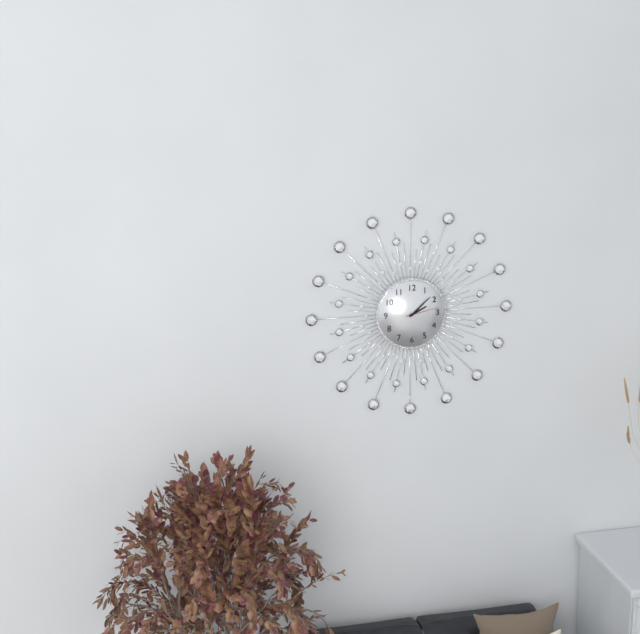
2:08
